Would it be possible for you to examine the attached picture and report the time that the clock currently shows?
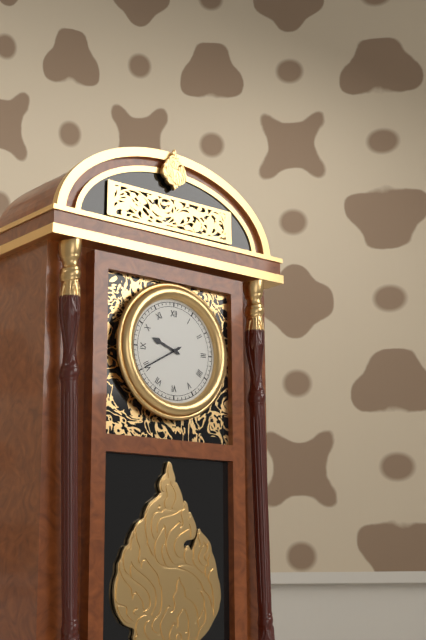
9:40
